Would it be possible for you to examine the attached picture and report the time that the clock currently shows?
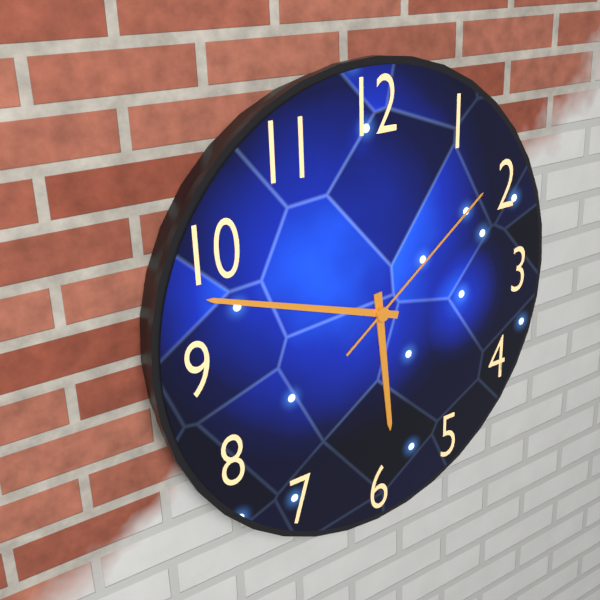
5:48:09
